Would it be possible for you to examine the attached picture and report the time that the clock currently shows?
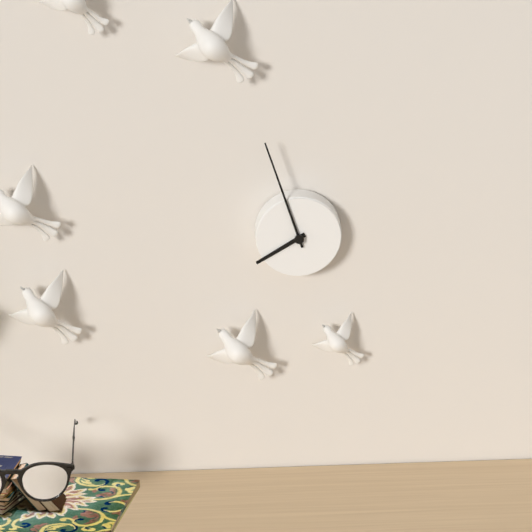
7:57
